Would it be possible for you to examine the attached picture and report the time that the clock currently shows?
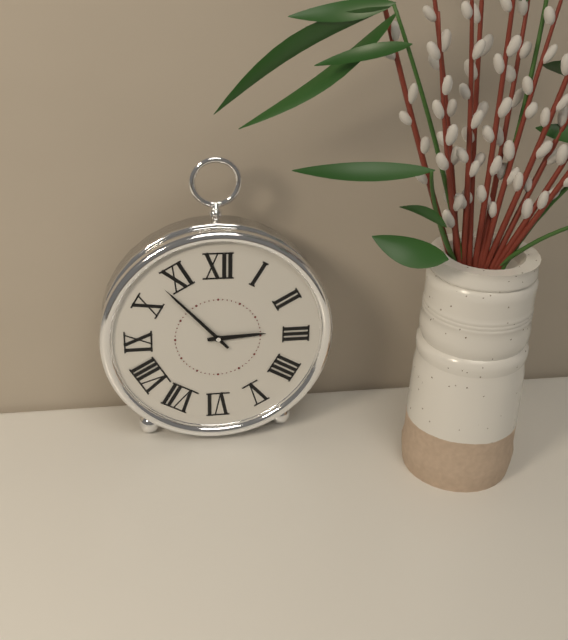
2:53
